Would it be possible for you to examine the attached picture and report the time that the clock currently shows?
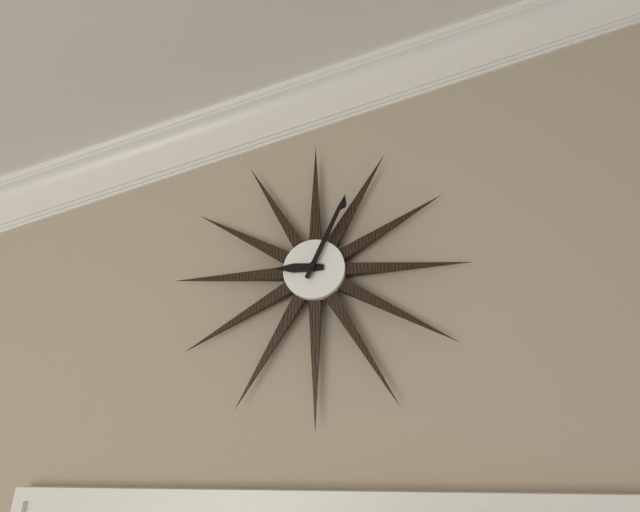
9:04
